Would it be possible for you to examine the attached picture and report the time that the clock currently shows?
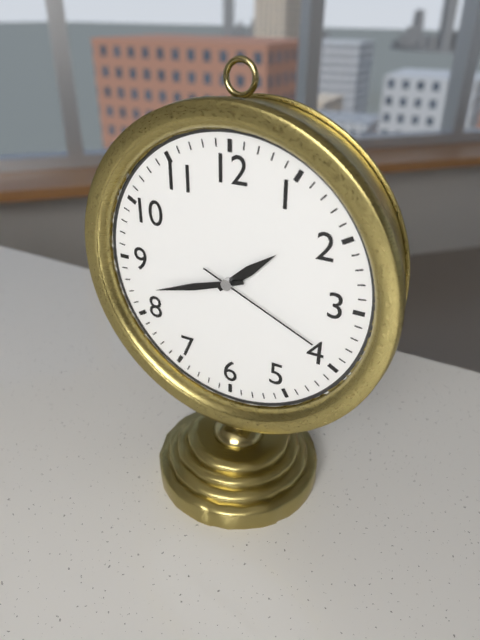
1:42:19
